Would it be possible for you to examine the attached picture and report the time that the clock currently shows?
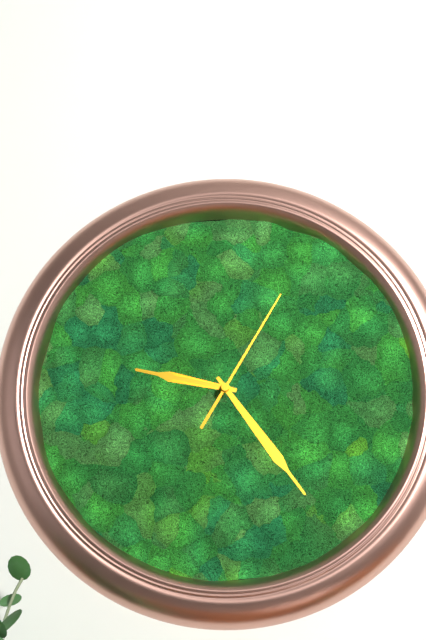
9:24:05
